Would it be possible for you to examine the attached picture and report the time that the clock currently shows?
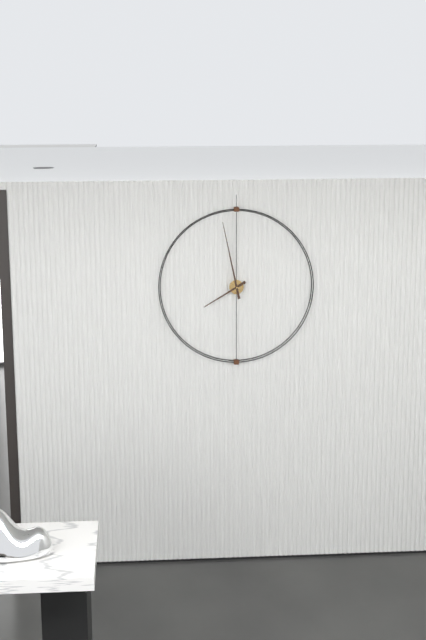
7:58
